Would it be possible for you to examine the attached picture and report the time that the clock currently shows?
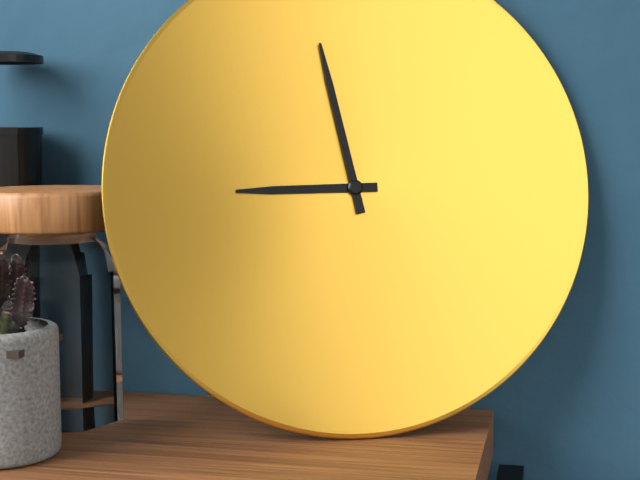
8:58
